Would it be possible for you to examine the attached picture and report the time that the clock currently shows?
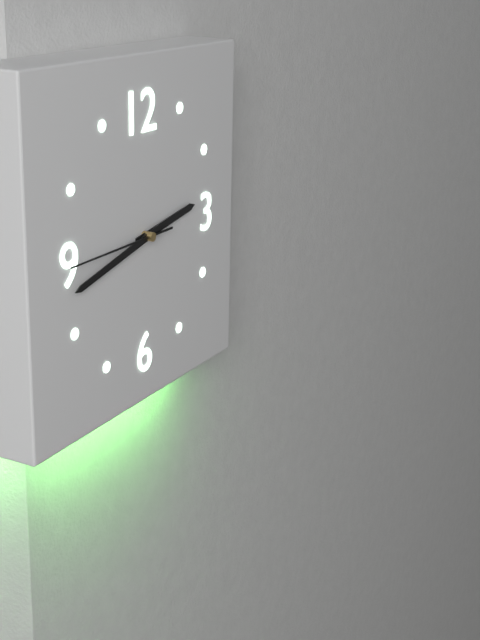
2:43:45
